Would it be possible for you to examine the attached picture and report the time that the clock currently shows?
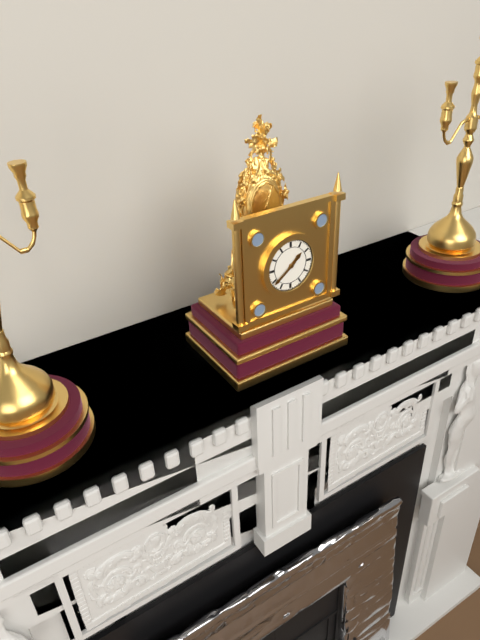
1:39
